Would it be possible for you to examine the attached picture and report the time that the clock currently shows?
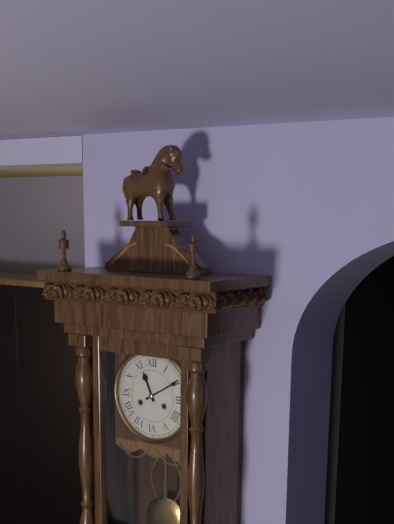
11:10
